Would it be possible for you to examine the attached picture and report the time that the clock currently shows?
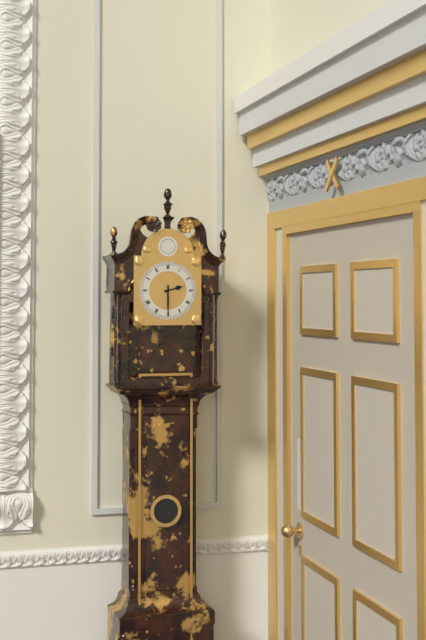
2:30
